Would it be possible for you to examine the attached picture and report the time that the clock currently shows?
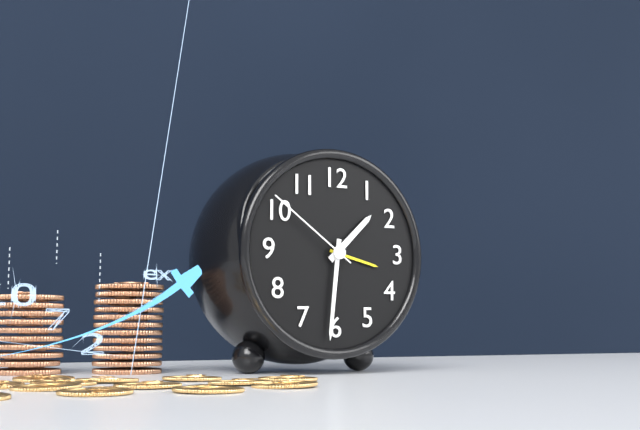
1:31:51
